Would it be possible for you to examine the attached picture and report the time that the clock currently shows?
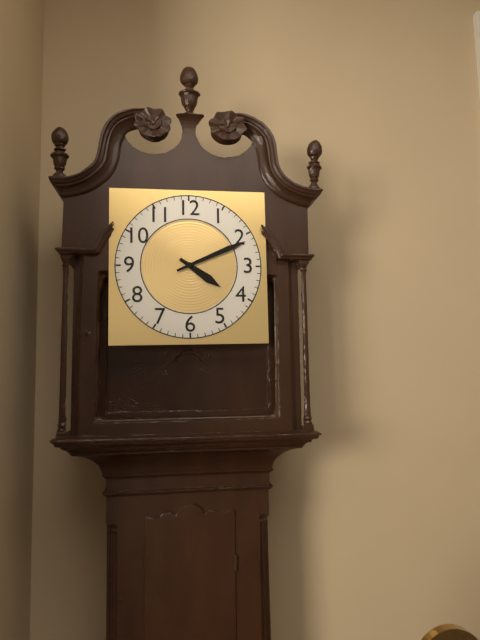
4:11
